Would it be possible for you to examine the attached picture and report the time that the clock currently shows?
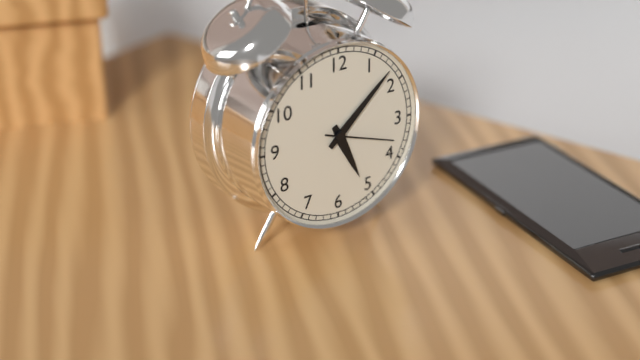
5:08:18
